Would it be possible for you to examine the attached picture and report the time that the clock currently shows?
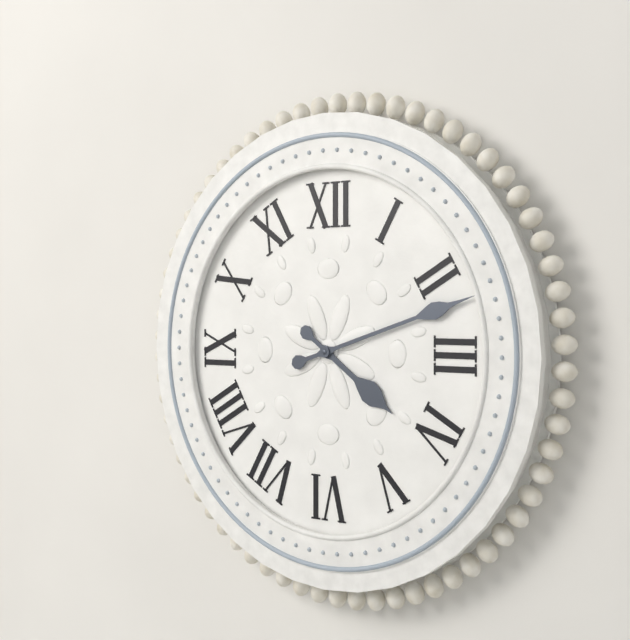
4:12
